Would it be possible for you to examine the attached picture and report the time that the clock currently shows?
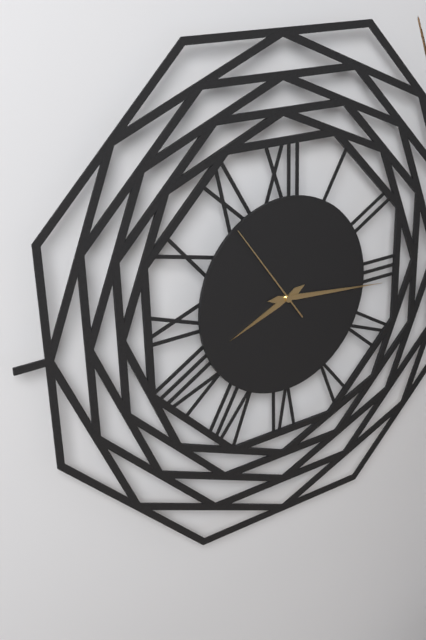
8:16:54
